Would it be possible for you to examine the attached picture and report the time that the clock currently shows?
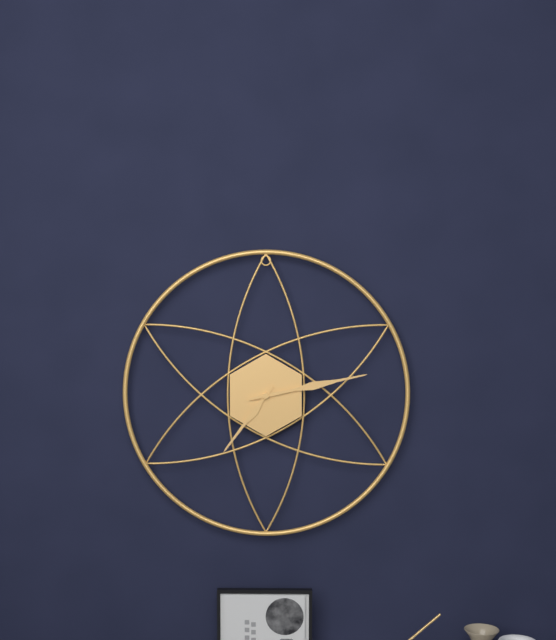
7:13
